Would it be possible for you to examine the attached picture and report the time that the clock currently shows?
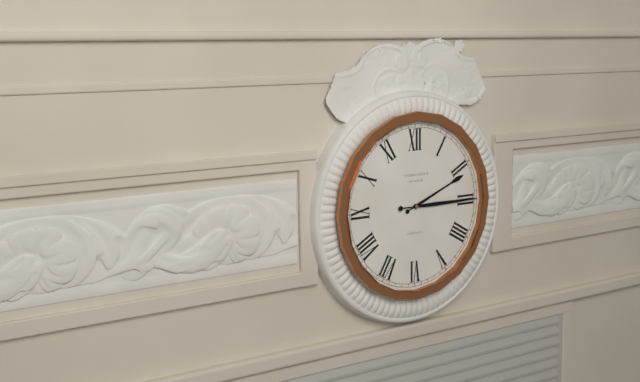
2:15
